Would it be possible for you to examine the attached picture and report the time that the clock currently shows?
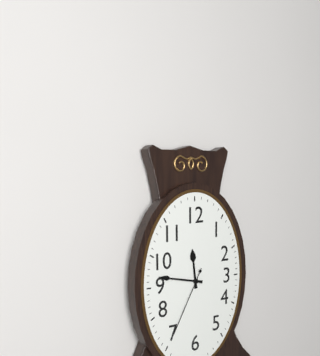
11:47:35
